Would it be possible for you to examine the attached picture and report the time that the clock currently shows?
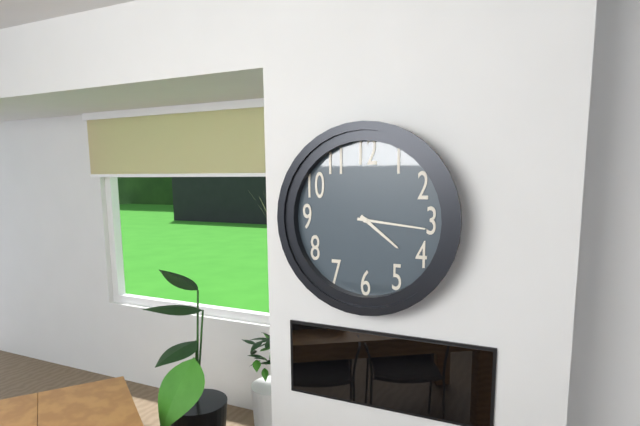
4:16
